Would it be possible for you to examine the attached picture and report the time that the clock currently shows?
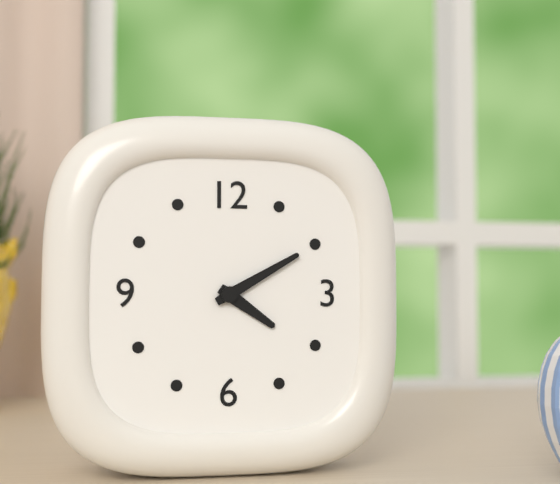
4:10
